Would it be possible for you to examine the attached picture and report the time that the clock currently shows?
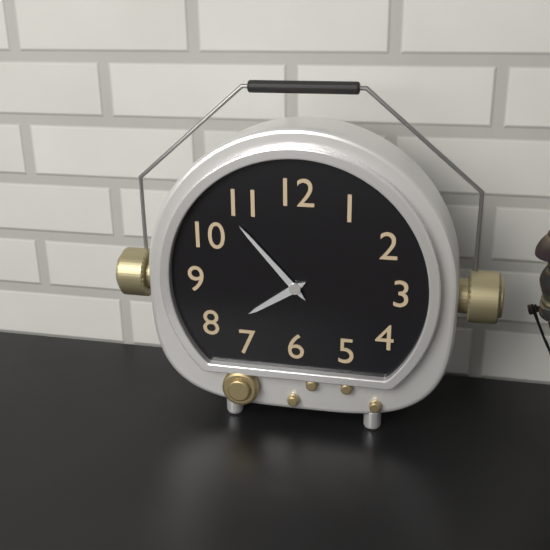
7:53
